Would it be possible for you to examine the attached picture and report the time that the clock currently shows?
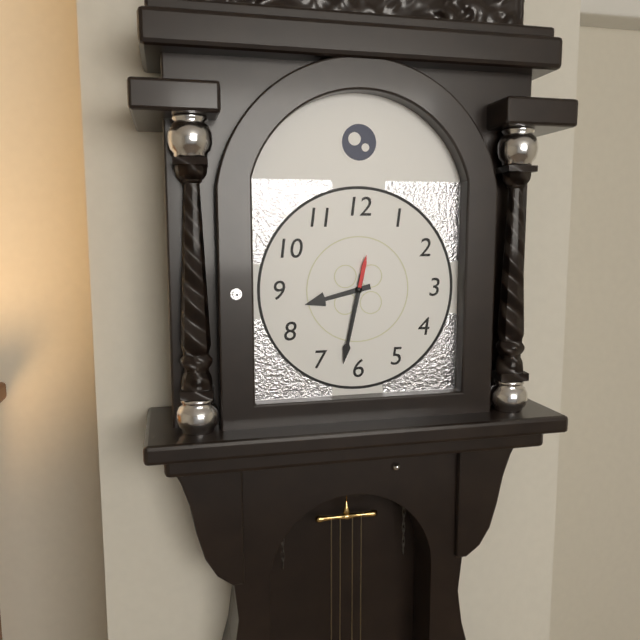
8:32:32
